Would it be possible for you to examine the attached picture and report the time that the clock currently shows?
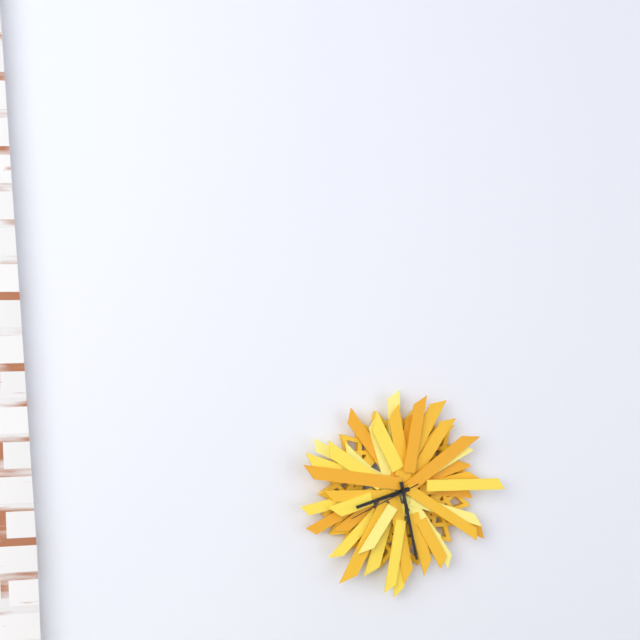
8:28:41
